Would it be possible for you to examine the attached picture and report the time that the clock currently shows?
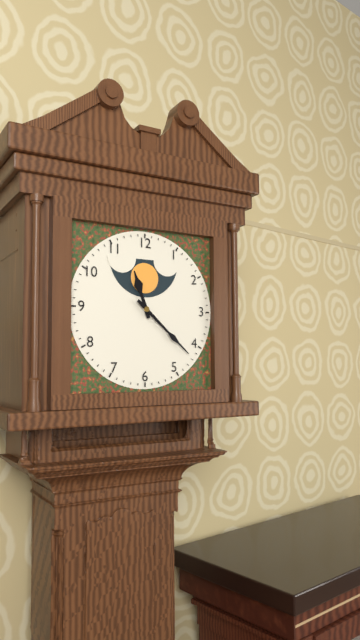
11:22
